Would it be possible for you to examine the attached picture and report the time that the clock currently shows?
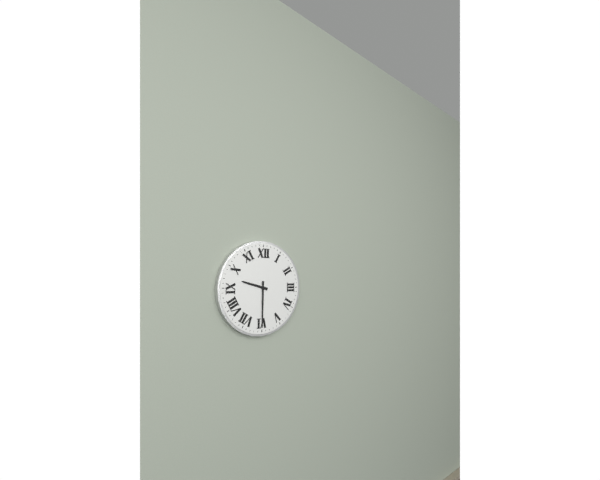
9:30
